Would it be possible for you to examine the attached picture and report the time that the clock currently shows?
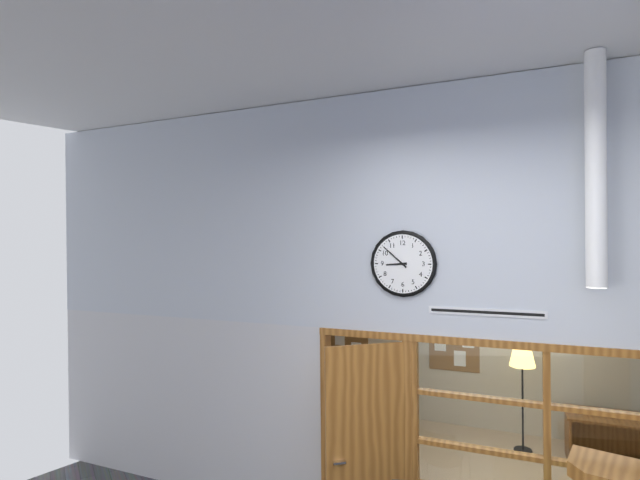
8:52
